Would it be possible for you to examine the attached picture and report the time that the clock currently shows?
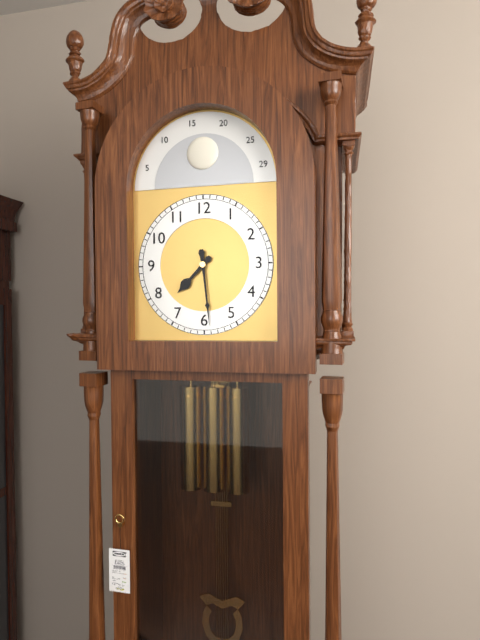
7:29
